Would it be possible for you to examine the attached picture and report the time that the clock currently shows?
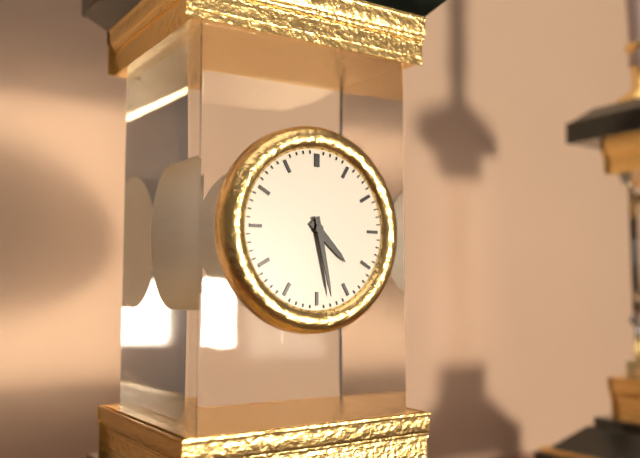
4:28
